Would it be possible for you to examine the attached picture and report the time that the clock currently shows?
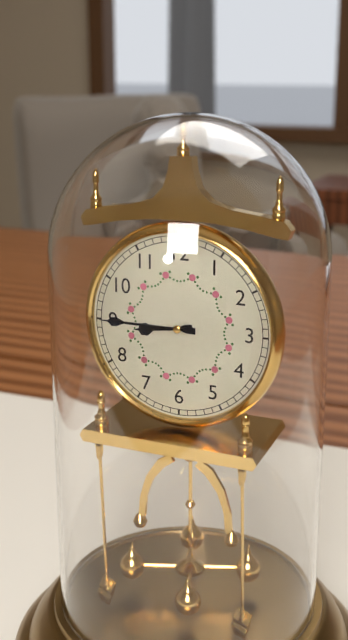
8:45
